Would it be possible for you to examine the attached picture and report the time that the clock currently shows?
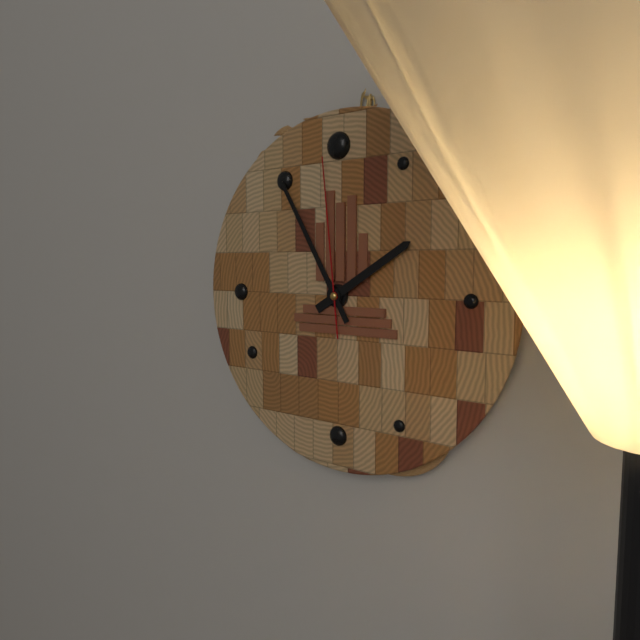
1:55:59
